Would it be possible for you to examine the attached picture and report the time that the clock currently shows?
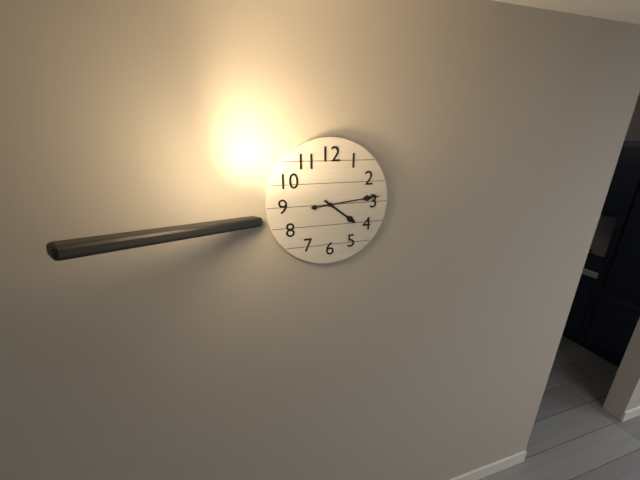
4:14
